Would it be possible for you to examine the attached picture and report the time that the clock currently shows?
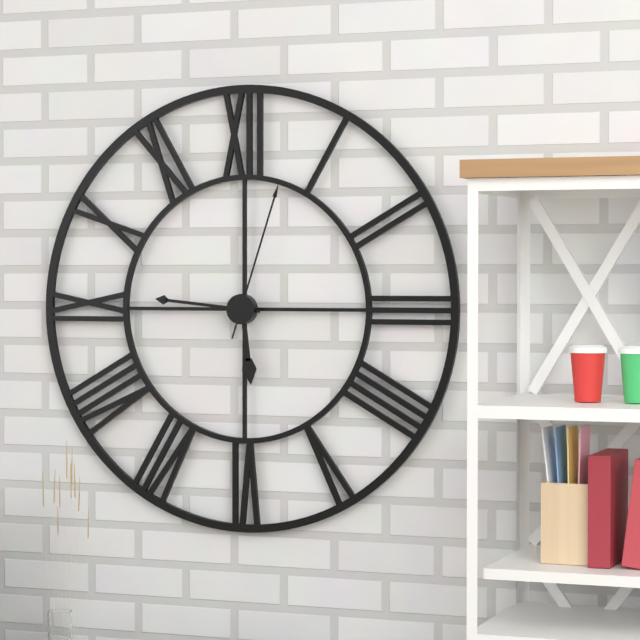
5:46:03
